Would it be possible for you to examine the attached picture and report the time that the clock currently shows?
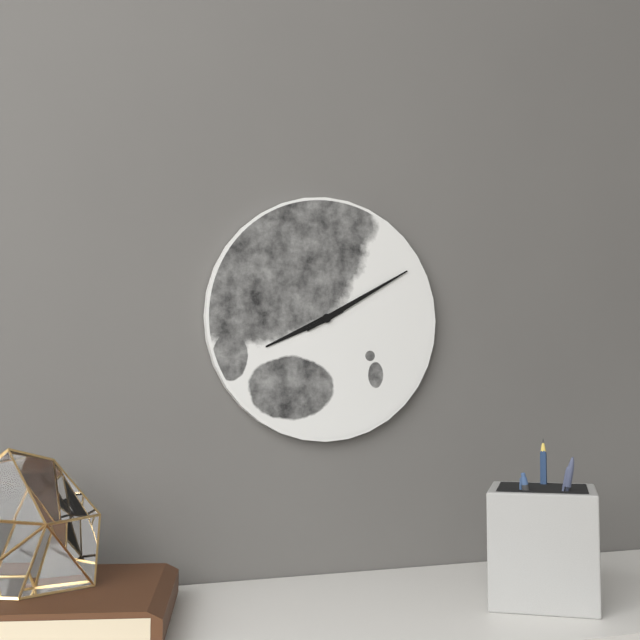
8:10
